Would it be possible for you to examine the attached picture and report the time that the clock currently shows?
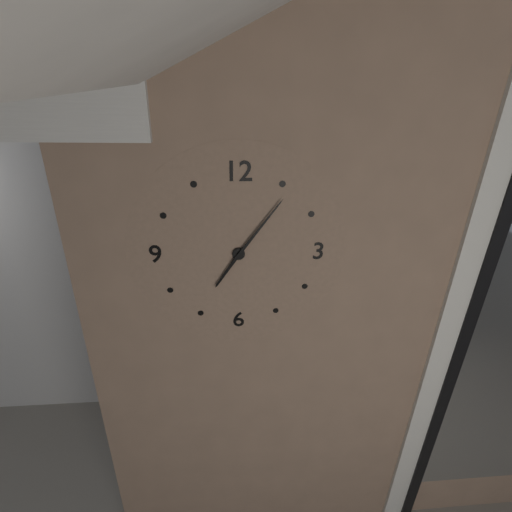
7:06
